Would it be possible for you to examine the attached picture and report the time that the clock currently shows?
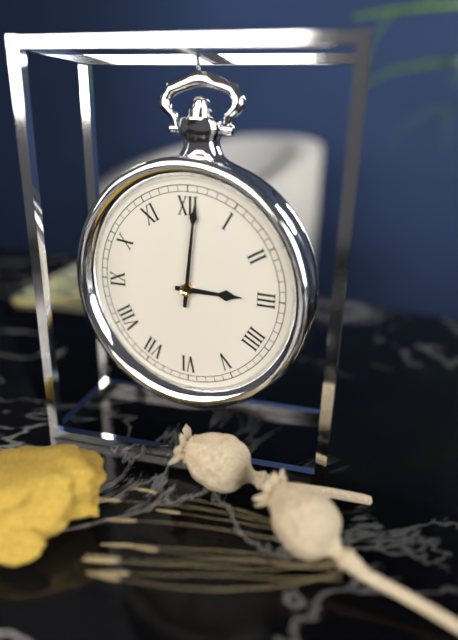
3:01
